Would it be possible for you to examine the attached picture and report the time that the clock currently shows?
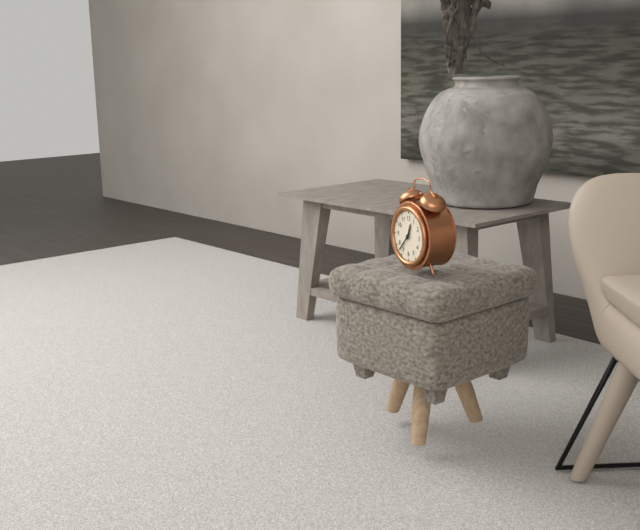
12:37
